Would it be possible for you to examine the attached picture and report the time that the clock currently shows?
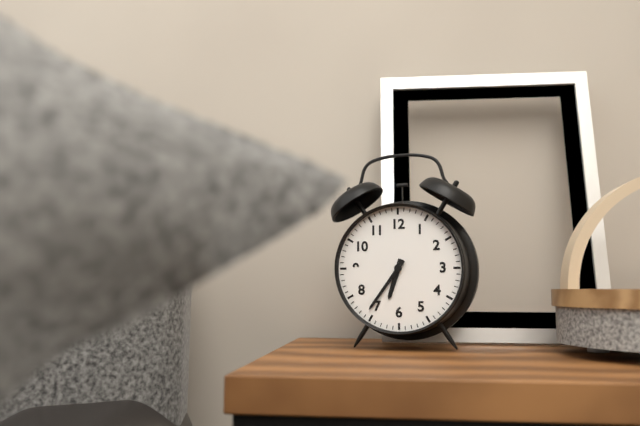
6:36
